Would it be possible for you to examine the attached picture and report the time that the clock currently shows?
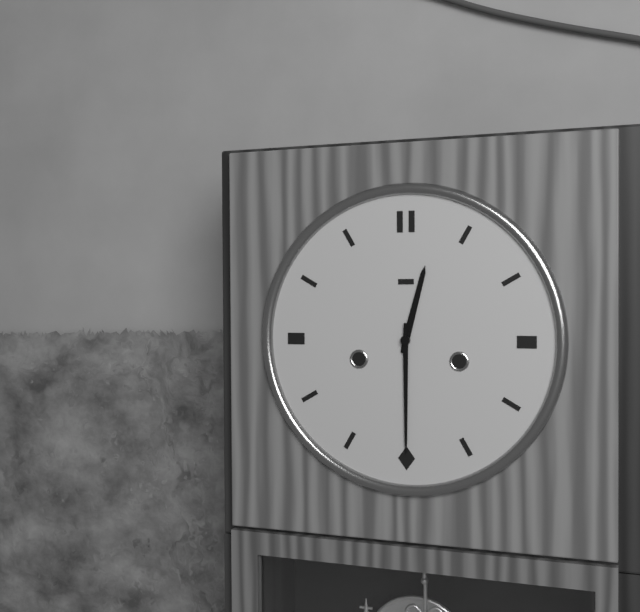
12:30
